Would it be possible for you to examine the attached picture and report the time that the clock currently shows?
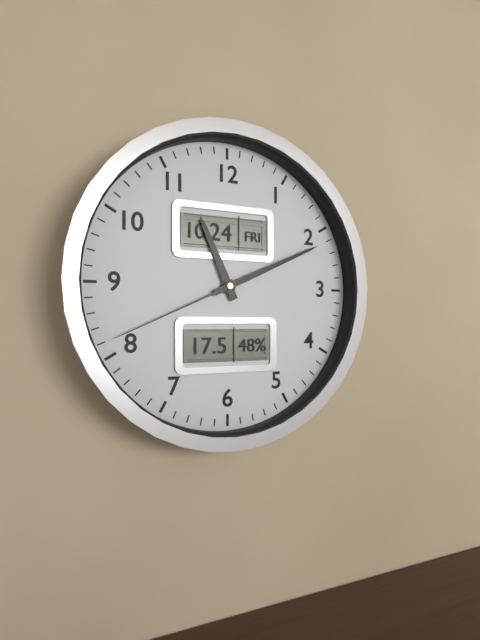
11:11:41
